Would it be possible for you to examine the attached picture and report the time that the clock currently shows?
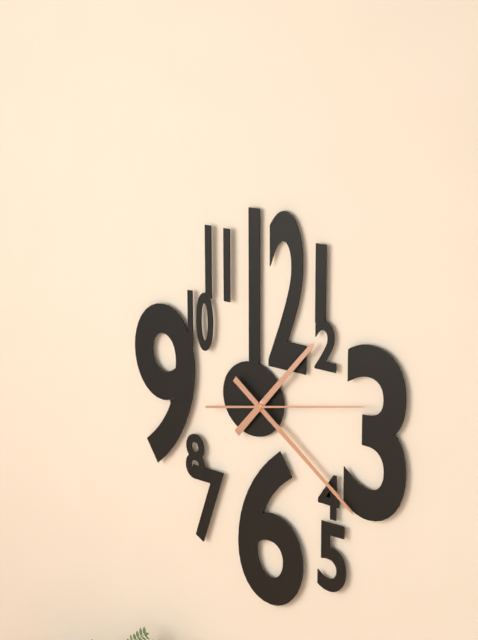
1:21:13
